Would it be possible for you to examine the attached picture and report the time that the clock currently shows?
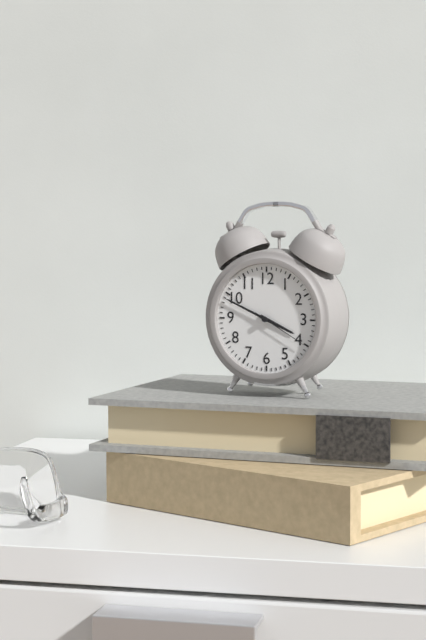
3:49:20
